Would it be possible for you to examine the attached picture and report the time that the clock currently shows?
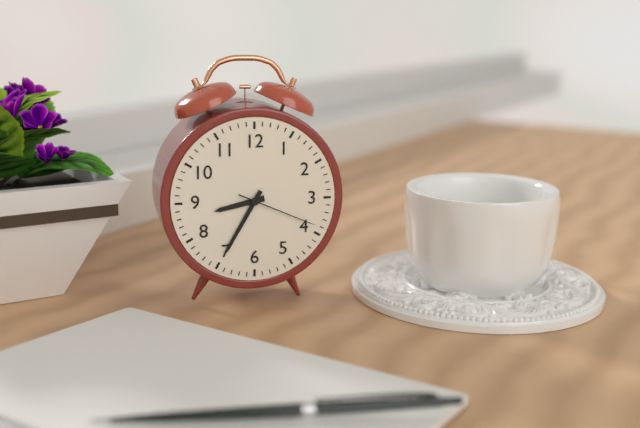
8:35:19
